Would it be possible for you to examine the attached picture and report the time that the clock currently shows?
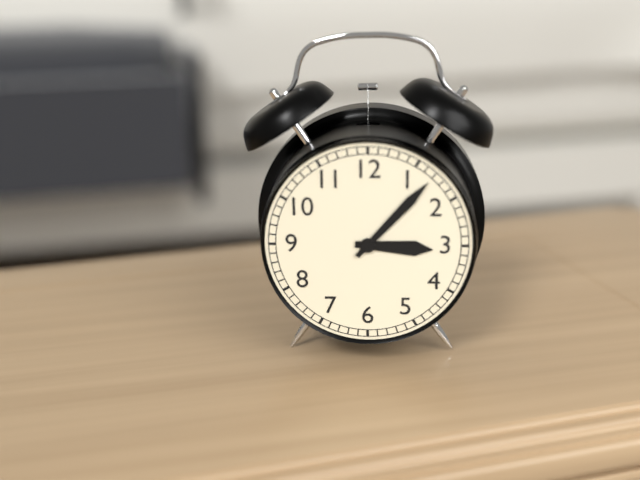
3:07
